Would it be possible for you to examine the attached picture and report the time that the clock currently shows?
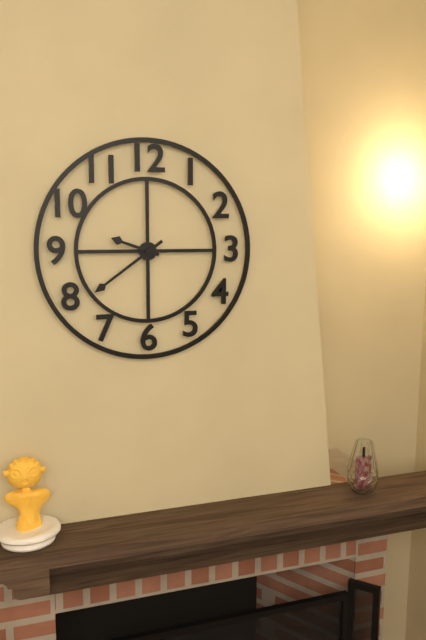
9:39
